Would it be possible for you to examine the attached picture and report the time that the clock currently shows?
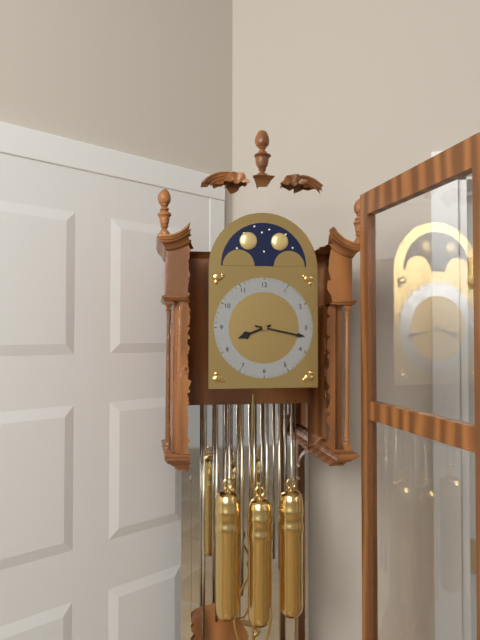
8:17
